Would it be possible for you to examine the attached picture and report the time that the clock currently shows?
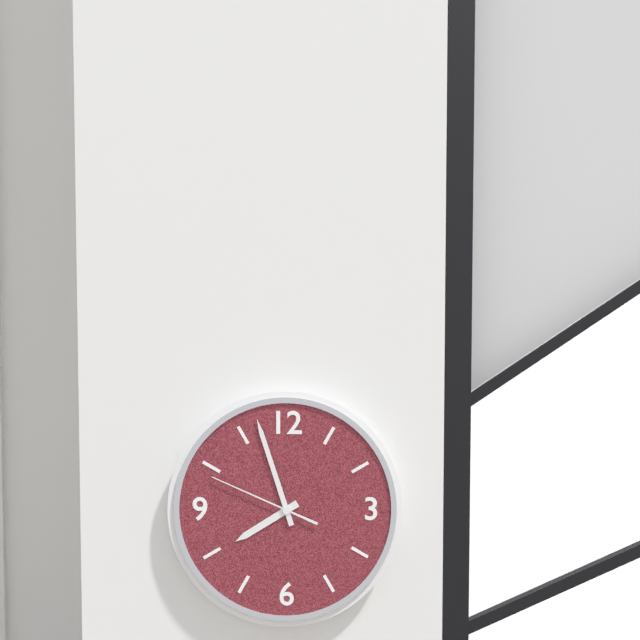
7:57:49
